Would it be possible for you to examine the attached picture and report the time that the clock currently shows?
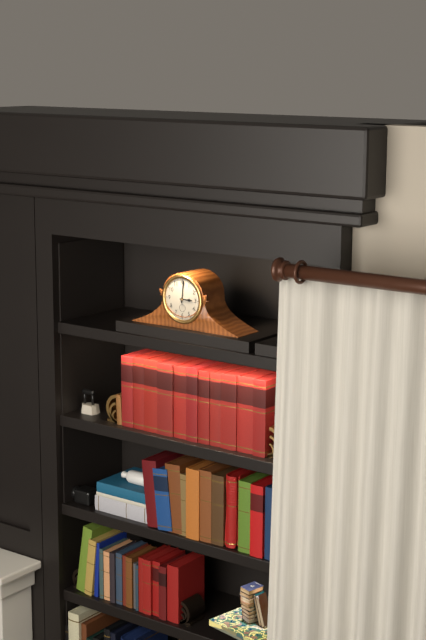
3:01
